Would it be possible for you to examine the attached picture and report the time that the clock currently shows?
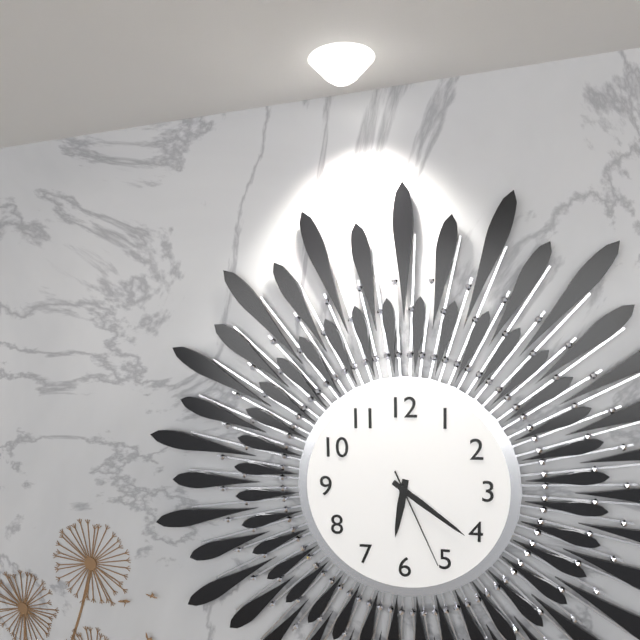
6:21:26
